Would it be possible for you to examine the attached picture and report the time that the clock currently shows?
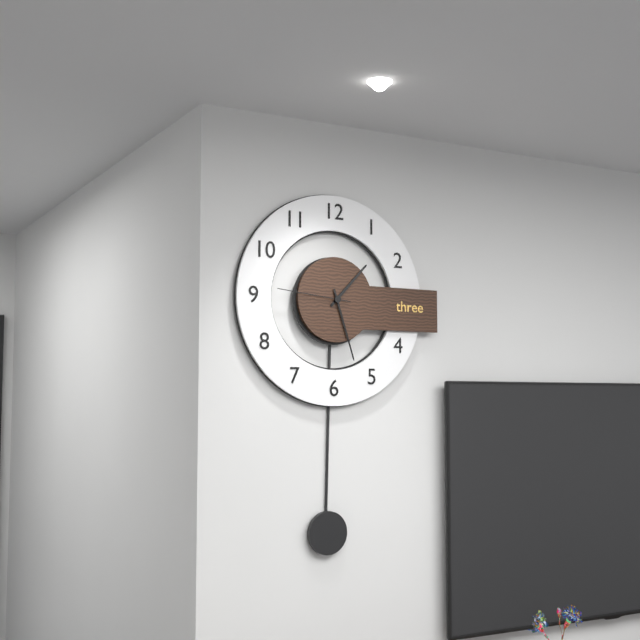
1:27:46
